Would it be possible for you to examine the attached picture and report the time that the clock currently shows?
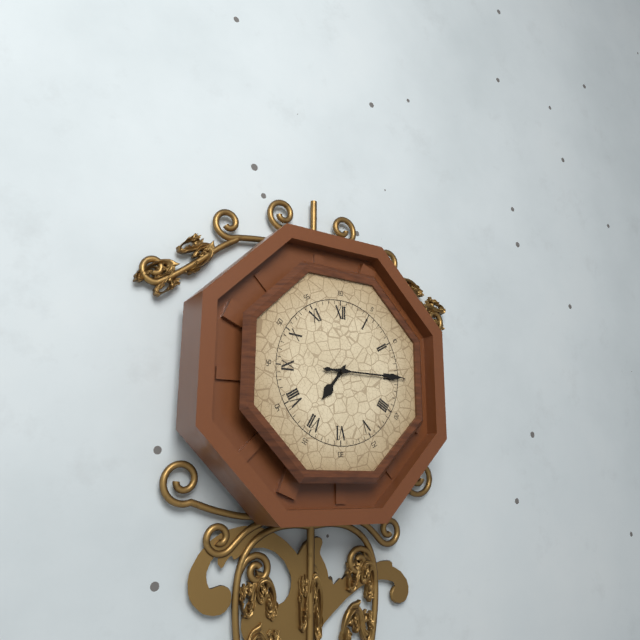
7:15
